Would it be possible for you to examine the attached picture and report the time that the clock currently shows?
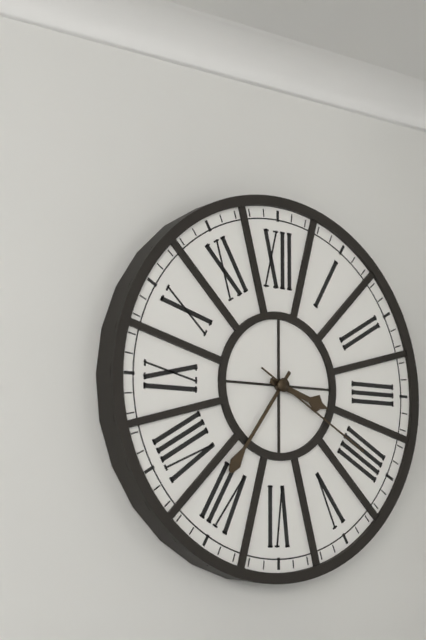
3:36:20
